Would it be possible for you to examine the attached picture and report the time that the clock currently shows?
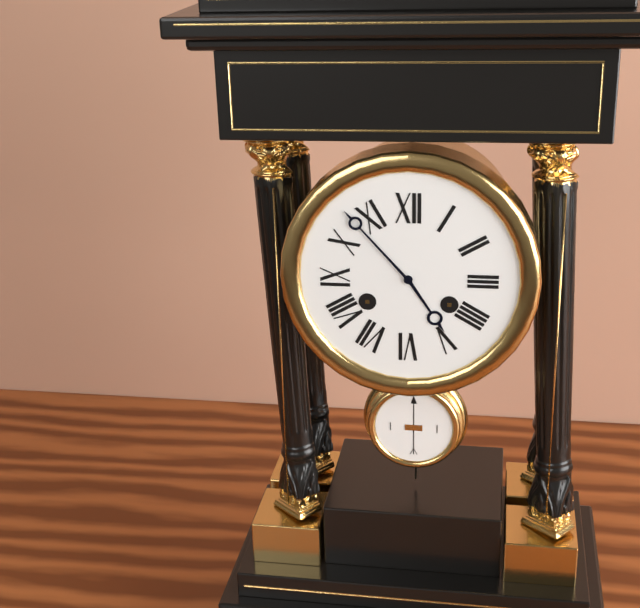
4:53
